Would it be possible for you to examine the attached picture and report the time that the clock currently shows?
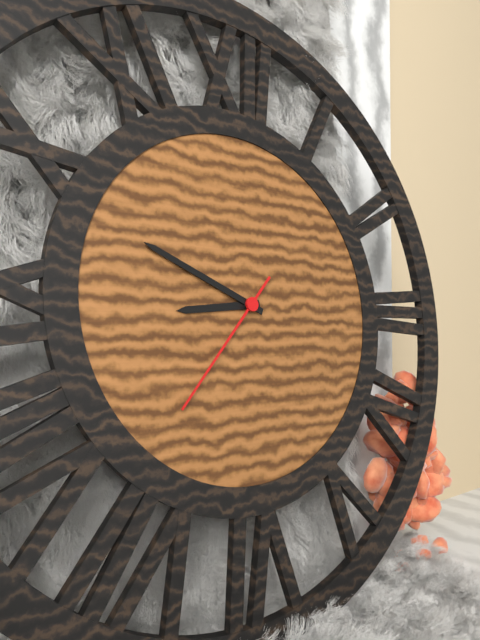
8:49:37
